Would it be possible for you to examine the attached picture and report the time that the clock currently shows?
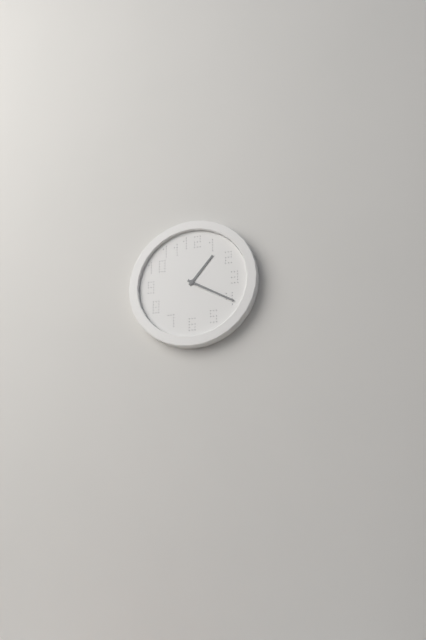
1:20
